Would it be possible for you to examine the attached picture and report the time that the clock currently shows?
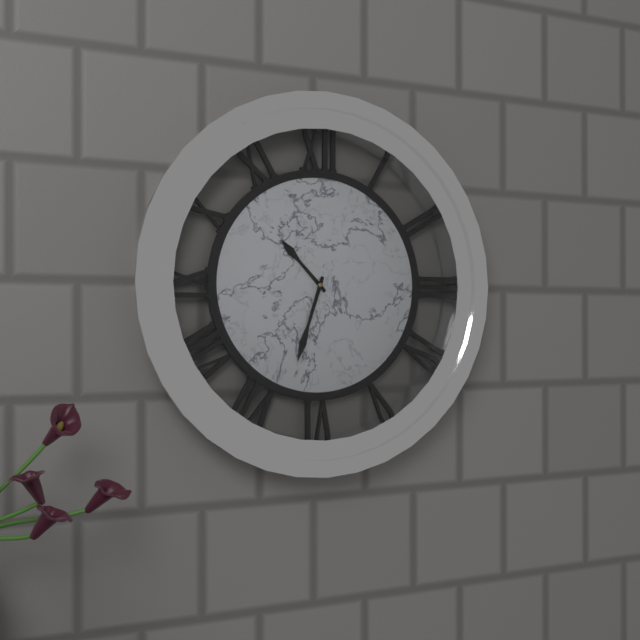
10:33
